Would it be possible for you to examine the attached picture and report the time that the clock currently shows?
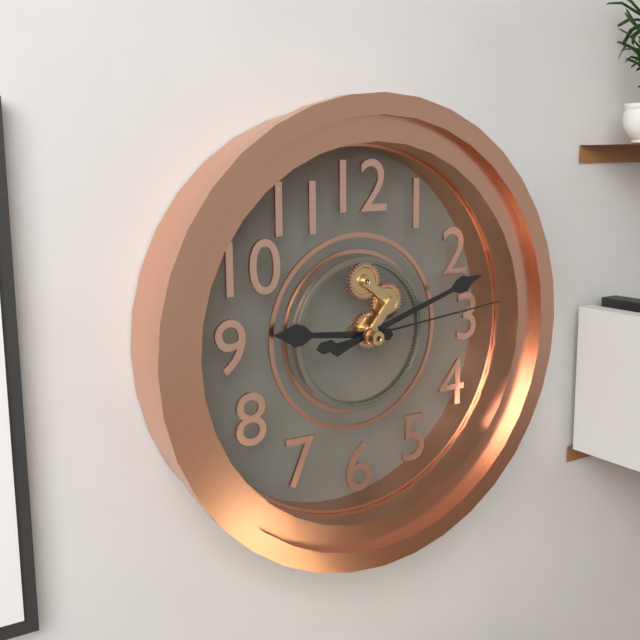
9:12:14
